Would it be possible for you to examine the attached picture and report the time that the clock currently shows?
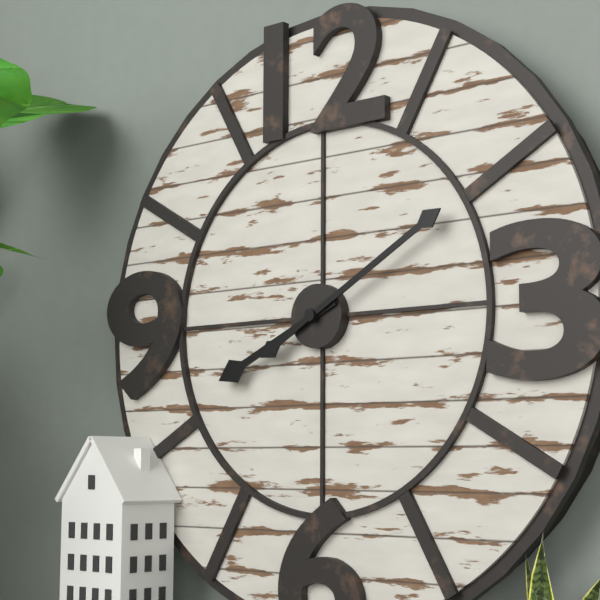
8:10
